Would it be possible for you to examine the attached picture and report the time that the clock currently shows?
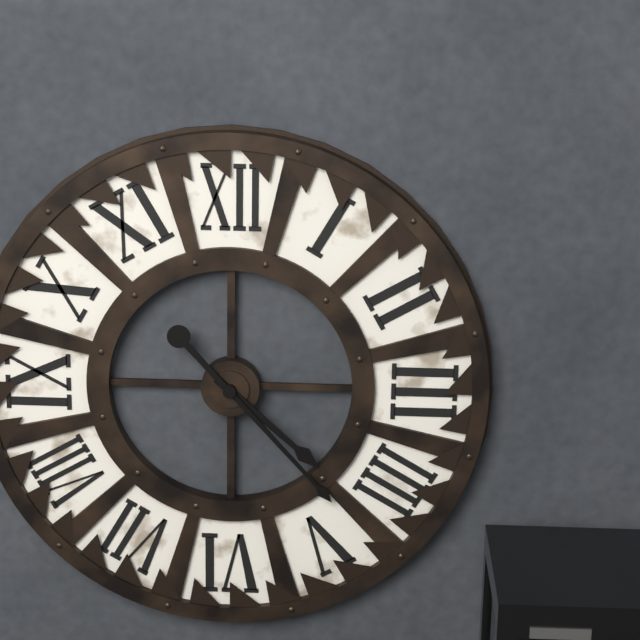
4:23
